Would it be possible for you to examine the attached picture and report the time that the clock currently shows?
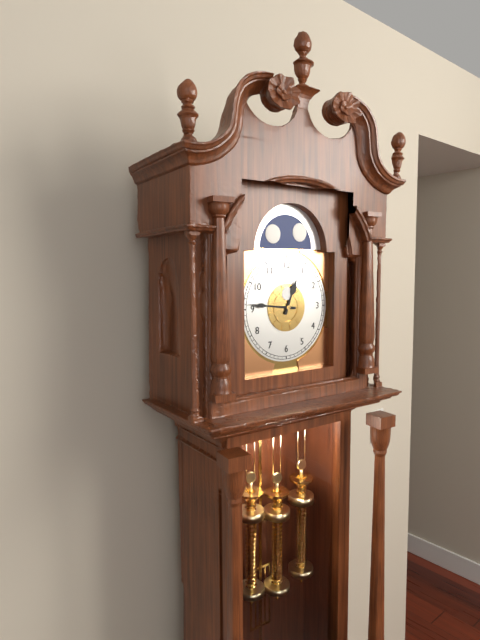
12:46
